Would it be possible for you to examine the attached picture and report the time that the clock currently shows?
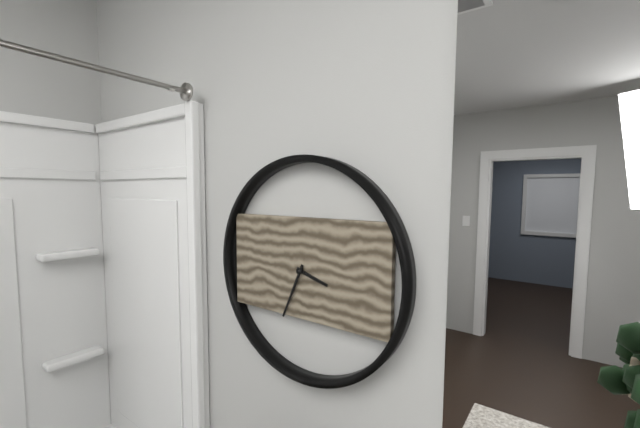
3:34
